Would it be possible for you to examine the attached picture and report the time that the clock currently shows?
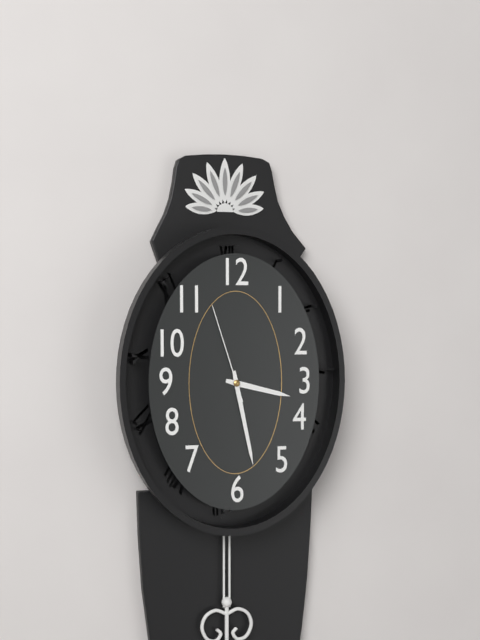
3:28:57
